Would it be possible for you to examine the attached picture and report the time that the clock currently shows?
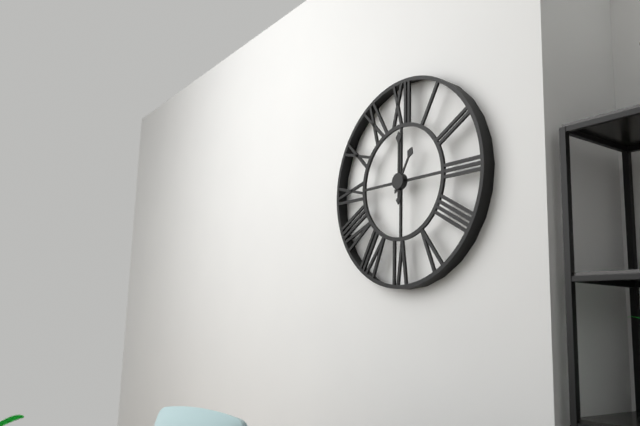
1:00
